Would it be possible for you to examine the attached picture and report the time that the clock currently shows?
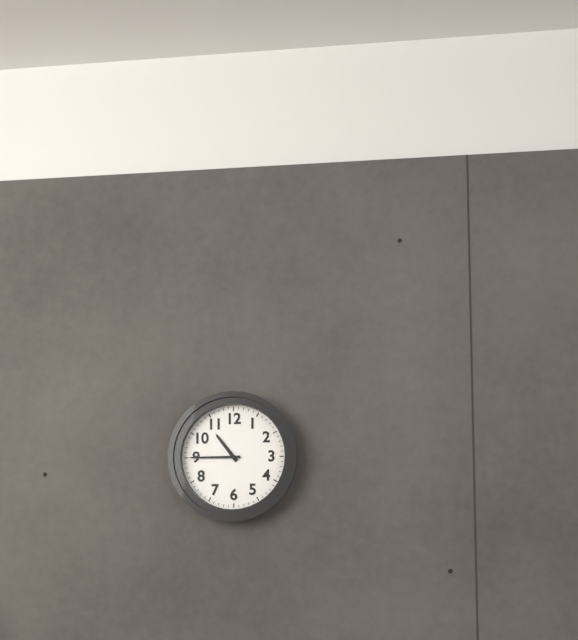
10:45
